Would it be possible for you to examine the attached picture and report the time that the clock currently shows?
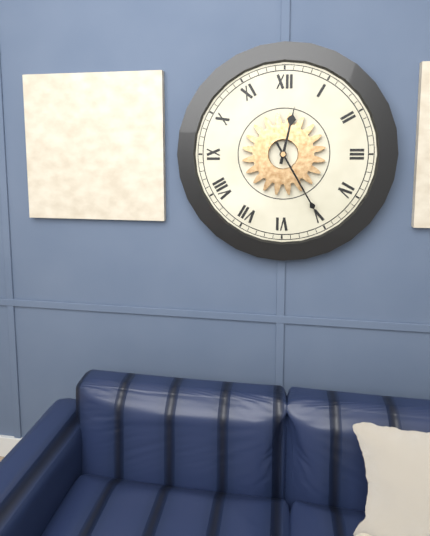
12:25
